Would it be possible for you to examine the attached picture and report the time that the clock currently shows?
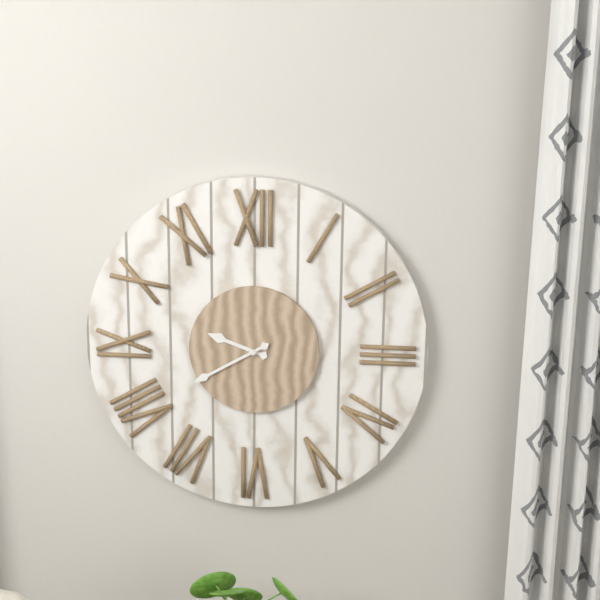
9:40
